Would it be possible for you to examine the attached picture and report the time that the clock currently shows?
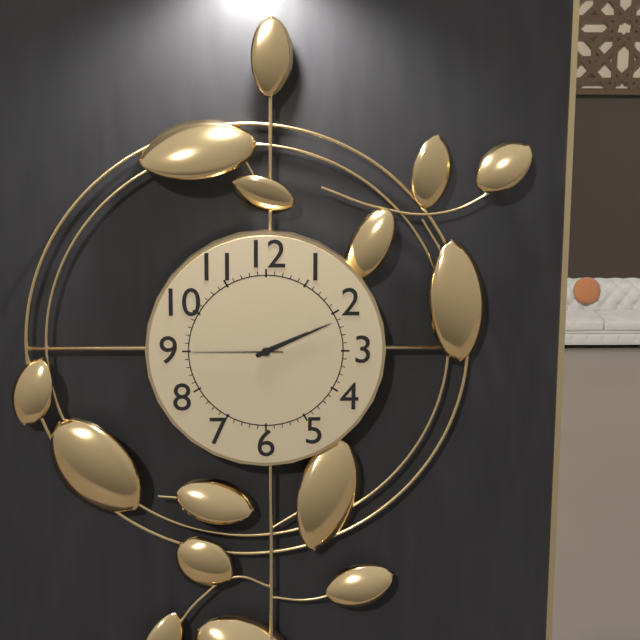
2:11:45
